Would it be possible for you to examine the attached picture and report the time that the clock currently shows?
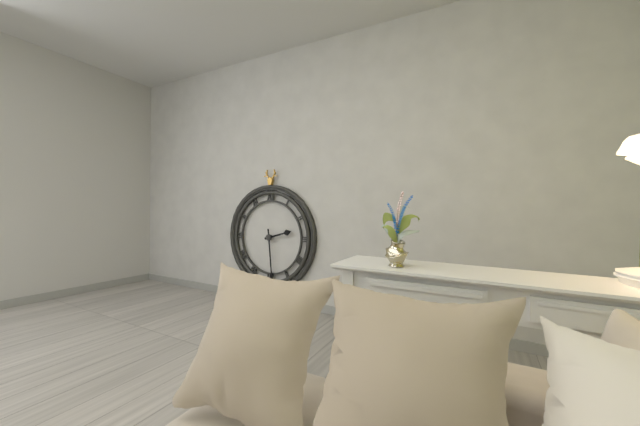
2:29
